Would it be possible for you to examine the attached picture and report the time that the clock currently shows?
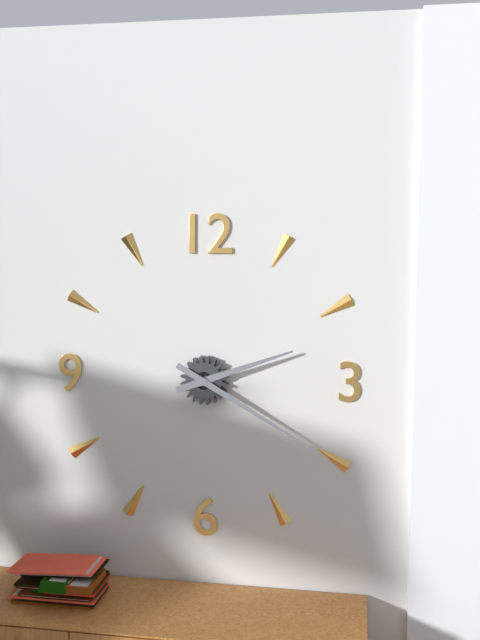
2:20
